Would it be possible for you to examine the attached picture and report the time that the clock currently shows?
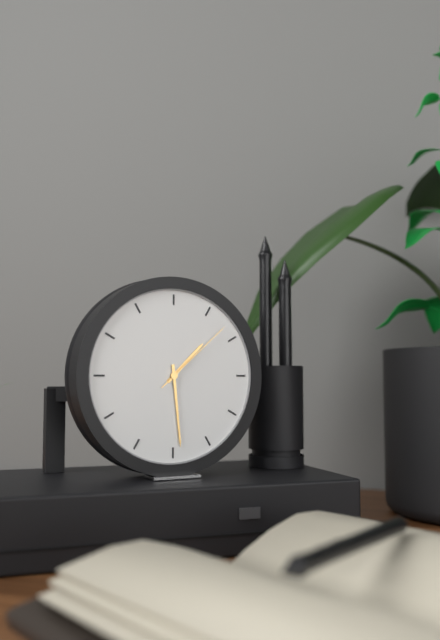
1:29:08
